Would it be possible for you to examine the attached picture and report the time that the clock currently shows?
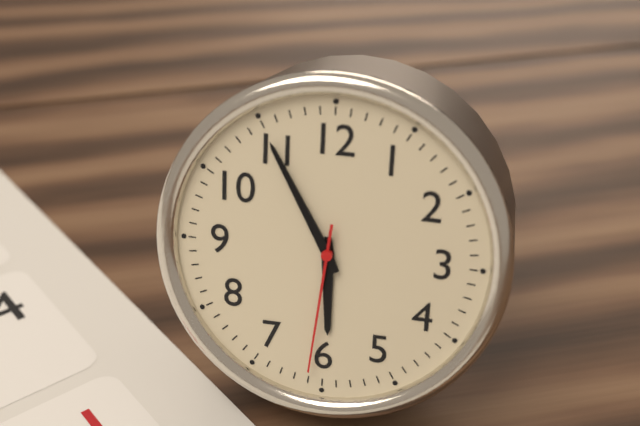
5:55:31
